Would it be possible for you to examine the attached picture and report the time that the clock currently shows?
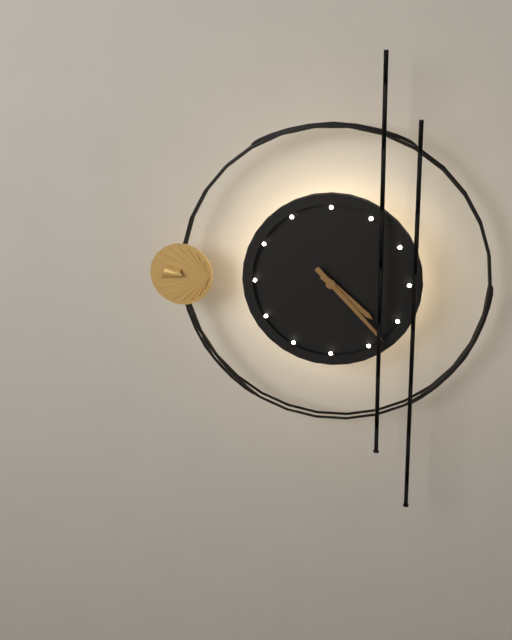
4:23
